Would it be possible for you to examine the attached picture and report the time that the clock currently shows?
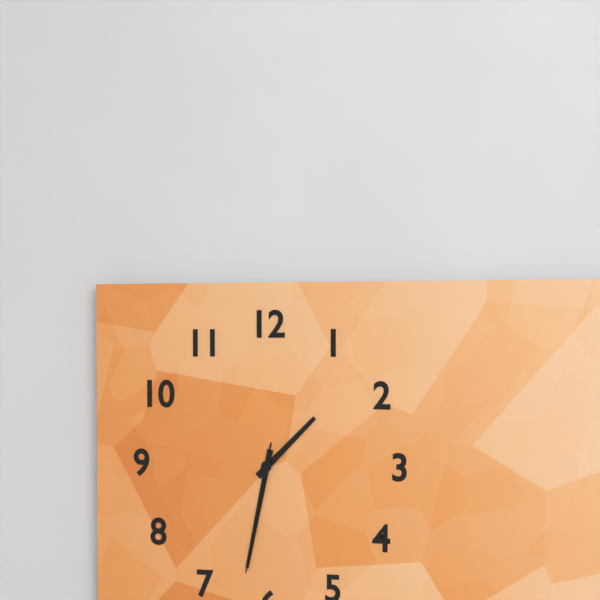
1:32:32
